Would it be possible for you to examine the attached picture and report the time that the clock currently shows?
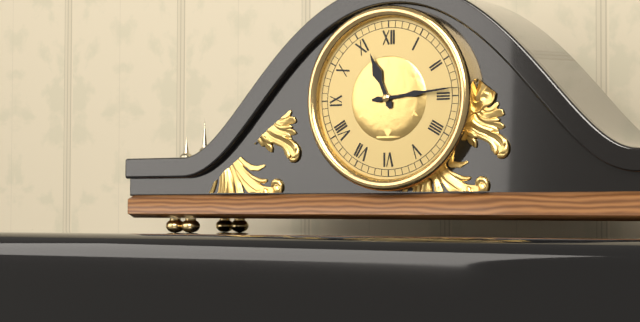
11:14
